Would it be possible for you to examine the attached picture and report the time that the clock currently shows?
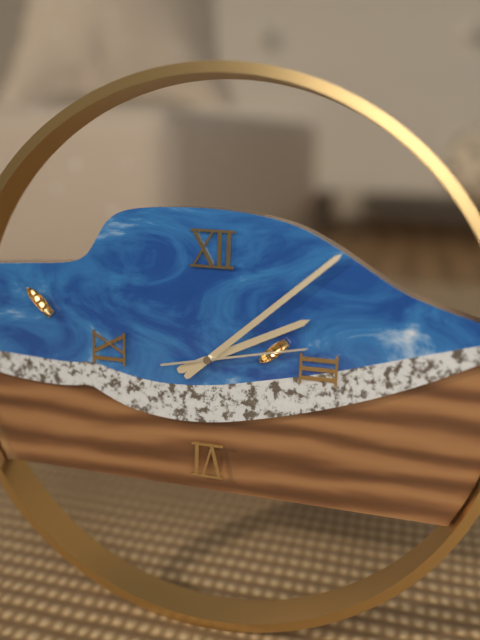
2:08:13
